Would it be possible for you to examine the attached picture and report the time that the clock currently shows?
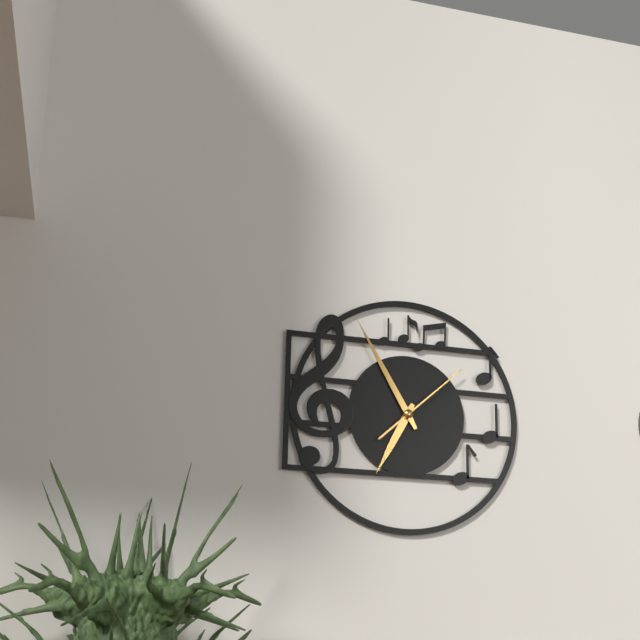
6:55:08
